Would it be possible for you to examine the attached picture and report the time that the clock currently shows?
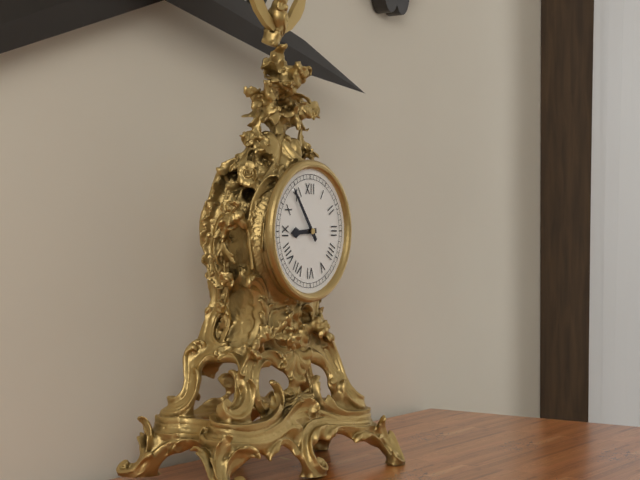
8:54
